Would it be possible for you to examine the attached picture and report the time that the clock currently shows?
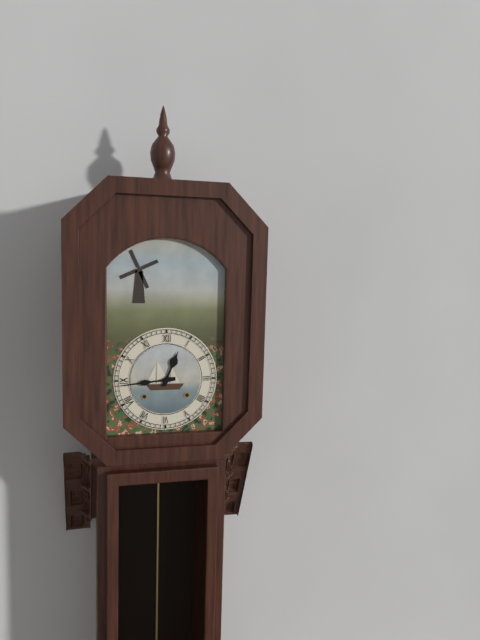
12:44
